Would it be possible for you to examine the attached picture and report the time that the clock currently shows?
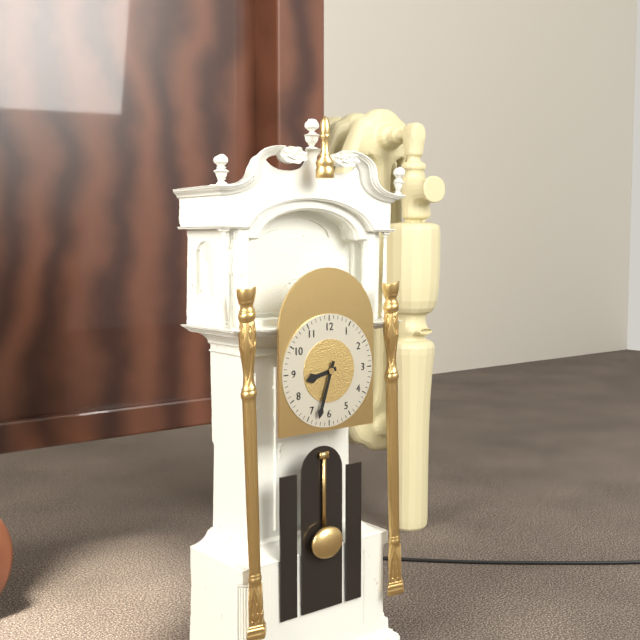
8:33
